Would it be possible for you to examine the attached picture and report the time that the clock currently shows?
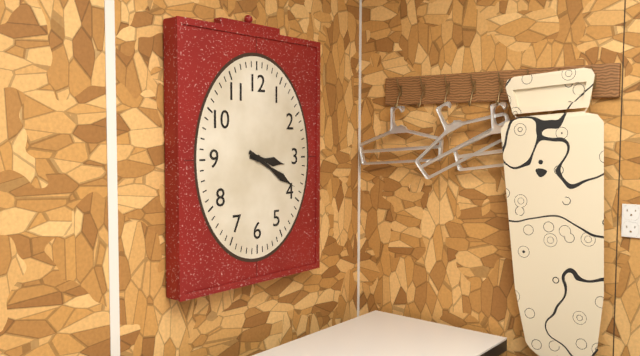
3:20
